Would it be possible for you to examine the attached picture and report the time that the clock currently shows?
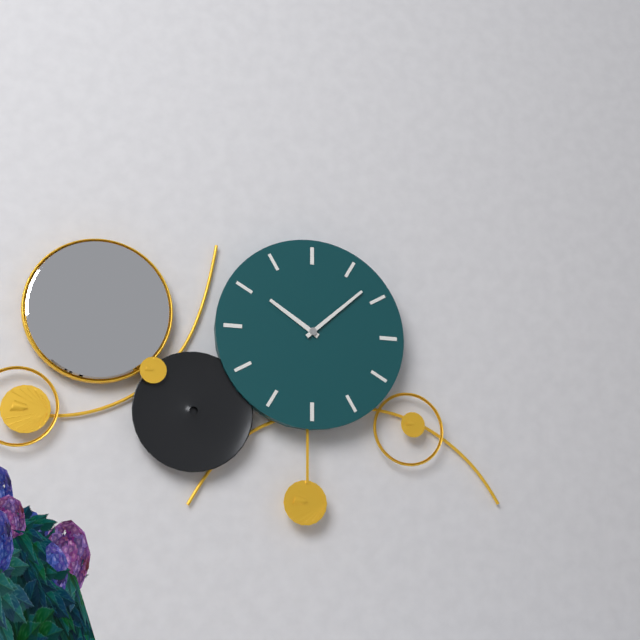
10:08
